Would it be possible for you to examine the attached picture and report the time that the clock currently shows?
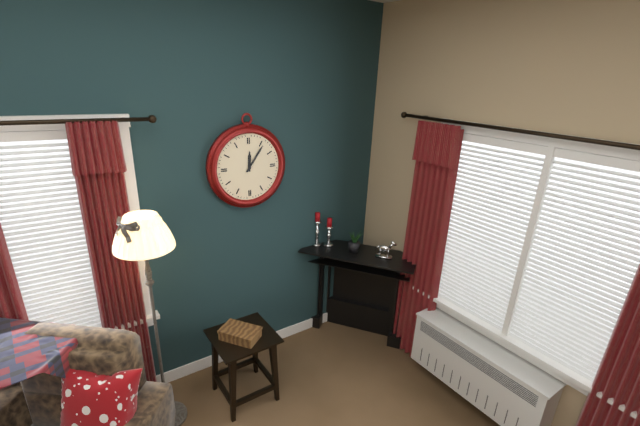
12:06
